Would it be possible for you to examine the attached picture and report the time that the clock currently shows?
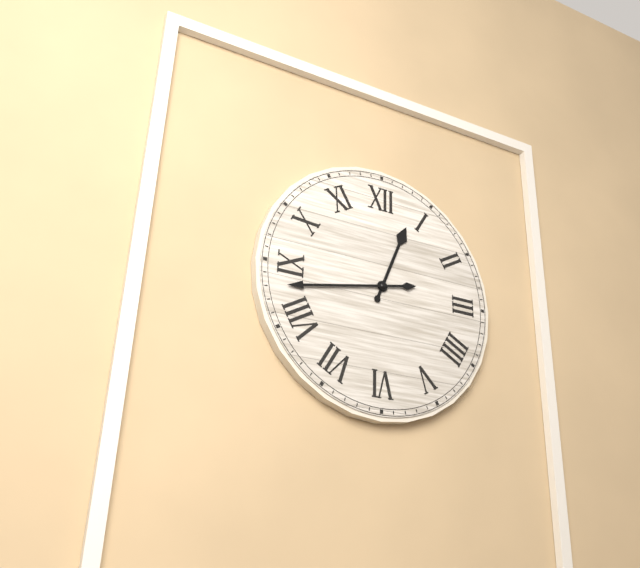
12:43
